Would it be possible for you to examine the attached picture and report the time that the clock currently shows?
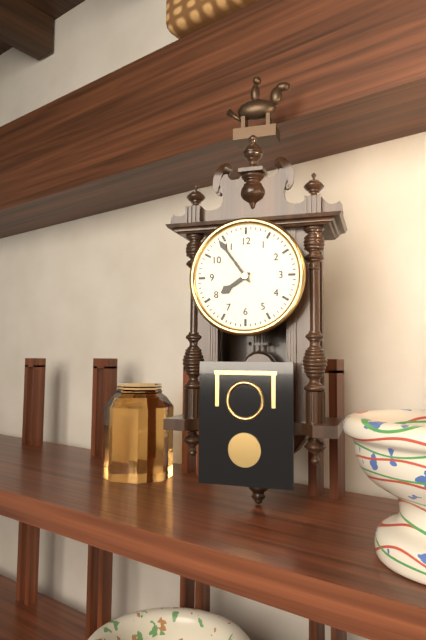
7:54
